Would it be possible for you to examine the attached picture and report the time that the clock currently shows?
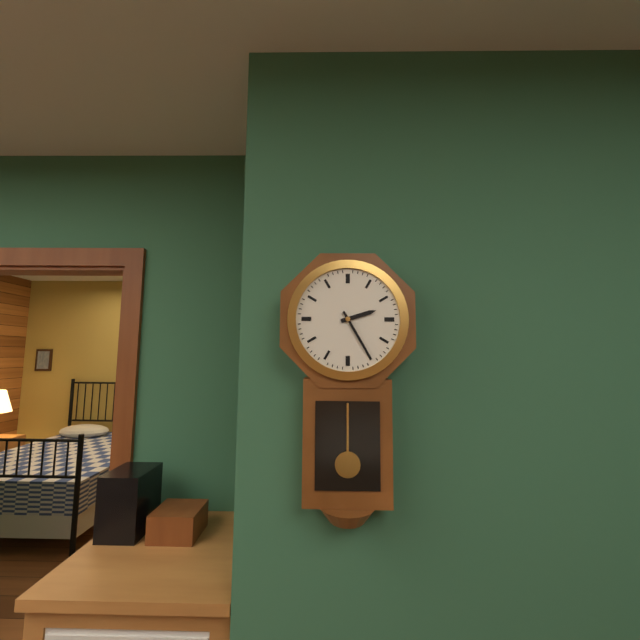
2:25
